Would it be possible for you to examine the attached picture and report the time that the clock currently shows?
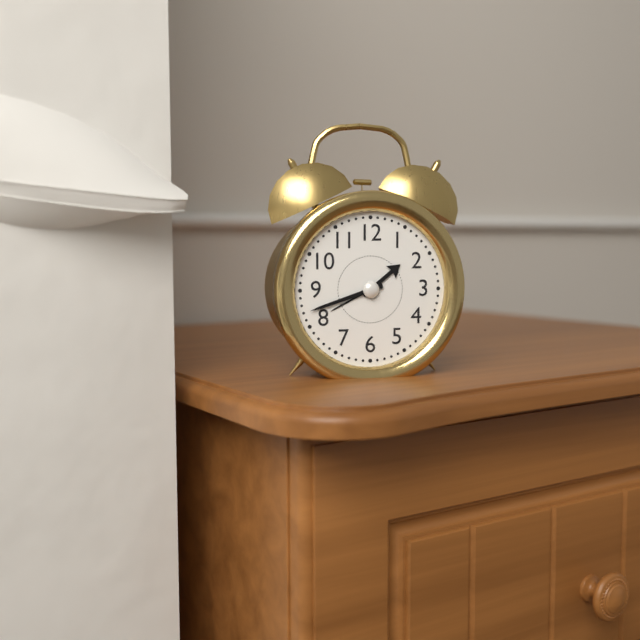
1:42
